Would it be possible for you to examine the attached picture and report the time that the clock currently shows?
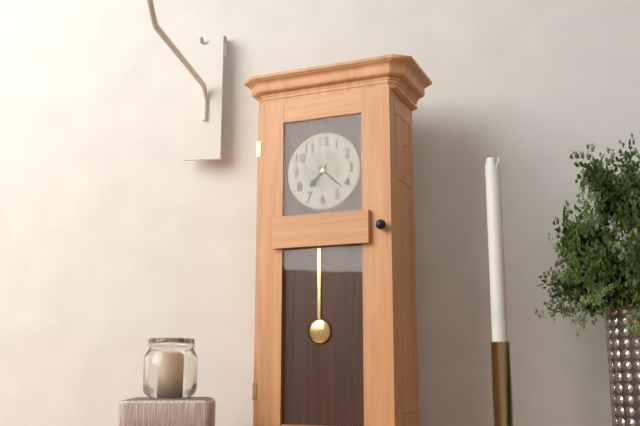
7:22
